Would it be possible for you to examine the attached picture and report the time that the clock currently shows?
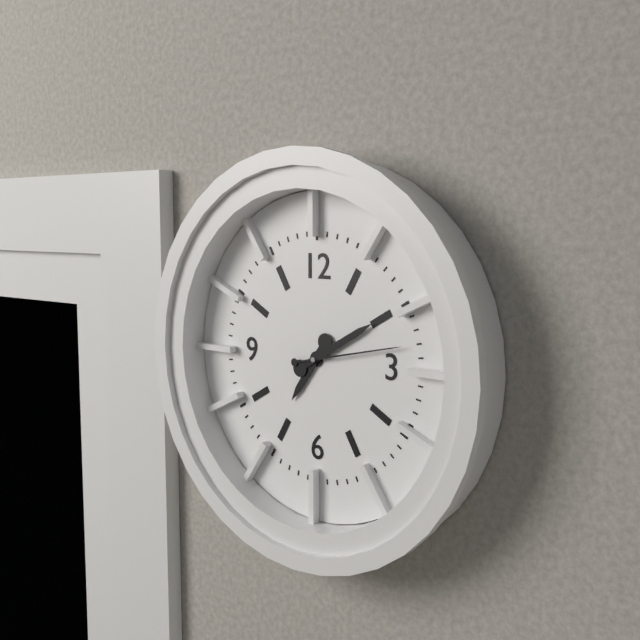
7:10:13
